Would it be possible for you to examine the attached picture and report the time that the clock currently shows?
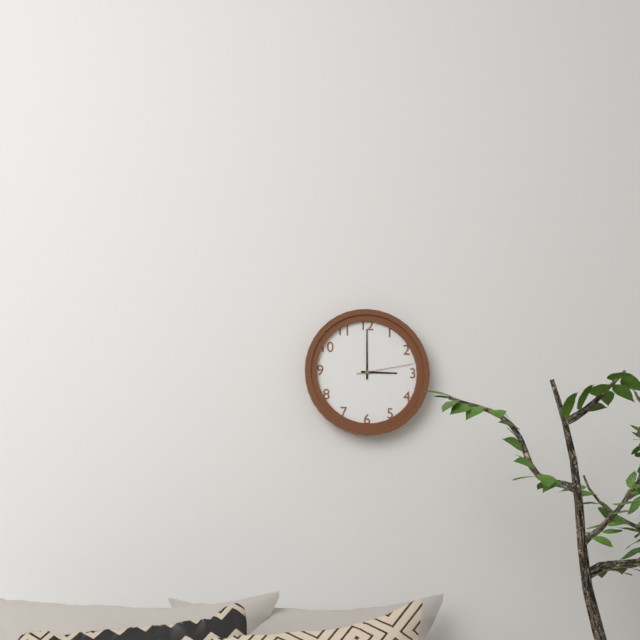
3:00:13
